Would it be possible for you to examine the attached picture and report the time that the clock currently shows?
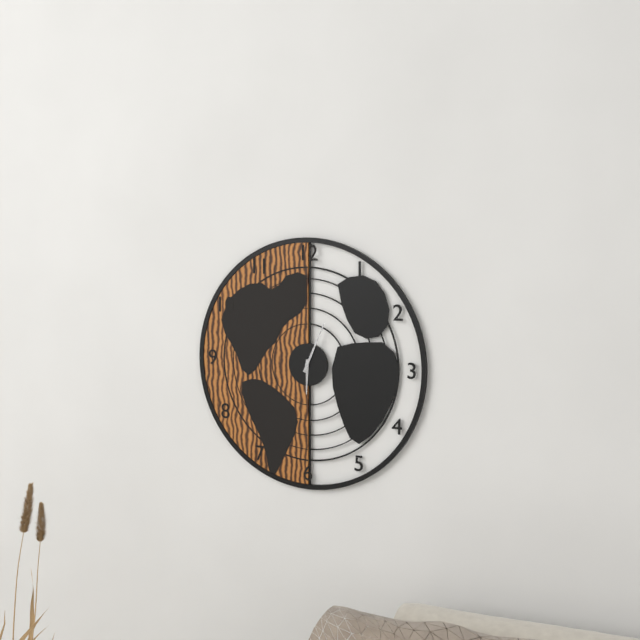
6:04
